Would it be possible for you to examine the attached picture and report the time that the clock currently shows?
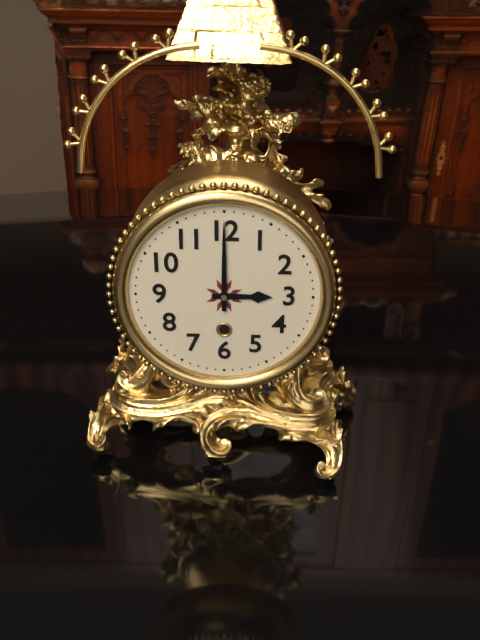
3:00
